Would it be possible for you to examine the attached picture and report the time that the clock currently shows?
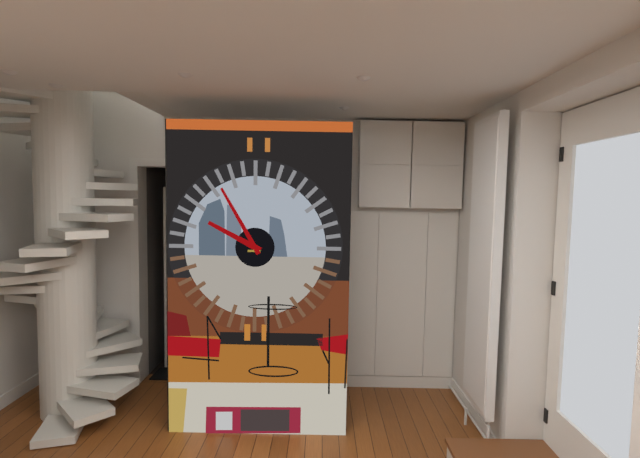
9:55
